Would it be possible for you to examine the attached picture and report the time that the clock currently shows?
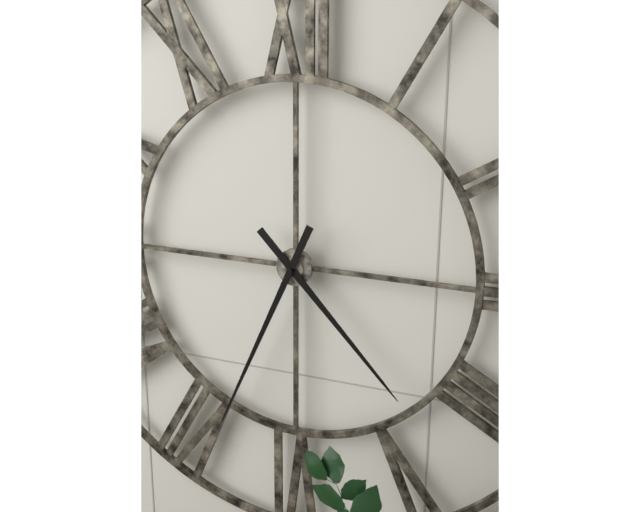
4:34
